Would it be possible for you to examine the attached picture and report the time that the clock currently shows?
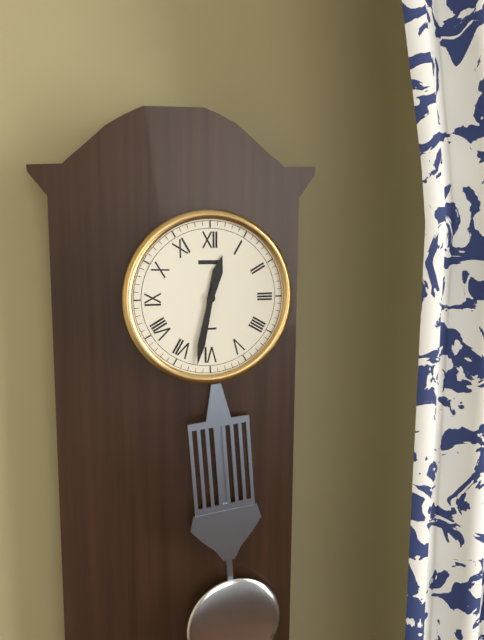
12:32
